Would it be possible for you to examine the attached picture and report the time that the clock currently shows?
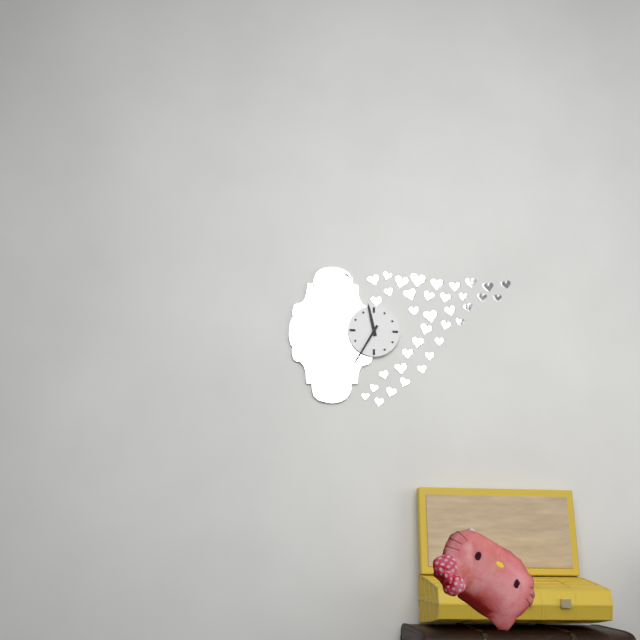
11:35
